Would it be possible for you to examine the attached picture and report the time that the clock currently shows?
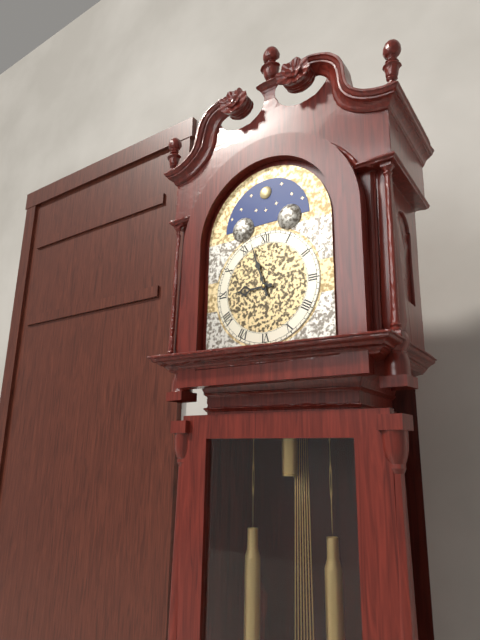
8:57
